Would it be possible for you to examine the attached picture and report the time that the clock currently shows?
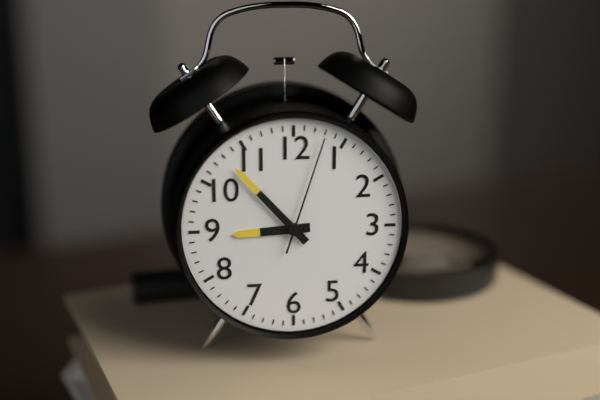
8:53:03
